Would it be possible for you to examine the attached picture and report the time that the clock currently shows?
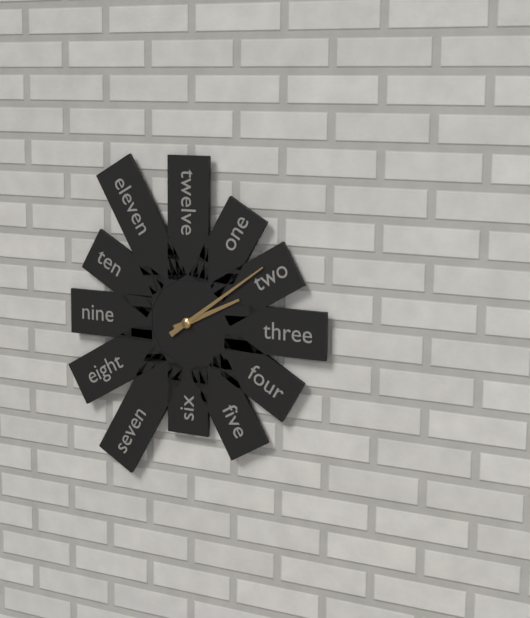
2:09
